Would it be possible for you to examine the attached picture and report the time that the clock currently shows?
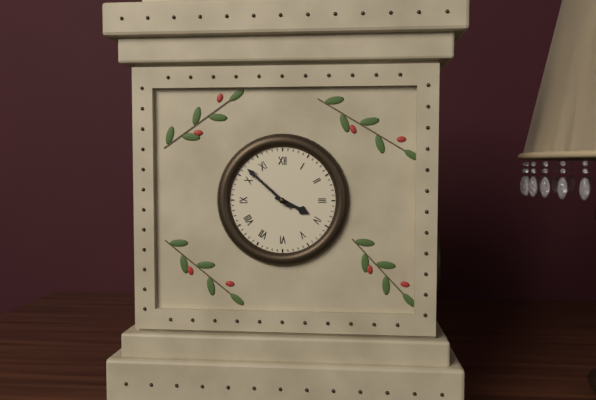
3:52
